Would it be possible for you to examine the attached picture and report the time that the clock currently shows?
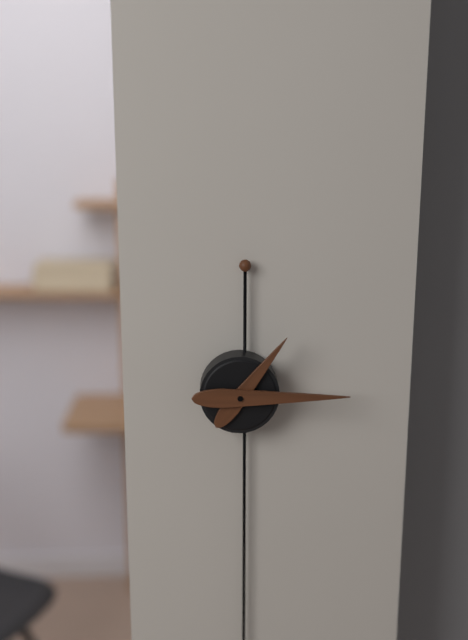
1:15
